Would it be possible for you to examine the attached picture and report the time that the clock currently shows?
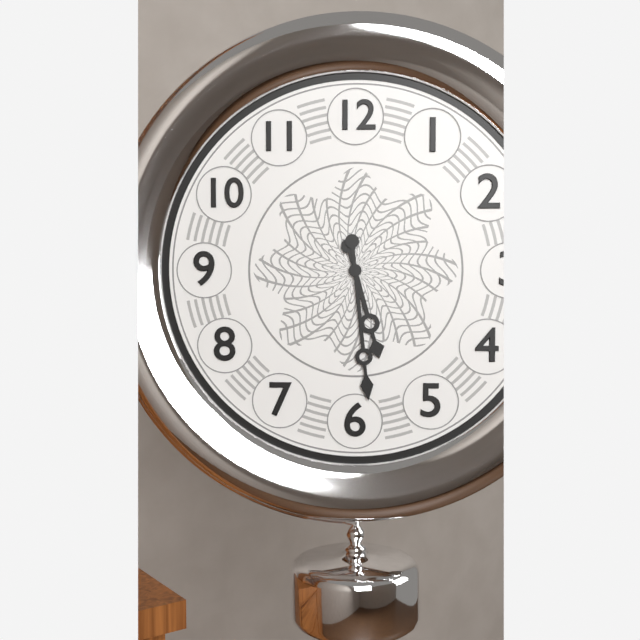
5:29
